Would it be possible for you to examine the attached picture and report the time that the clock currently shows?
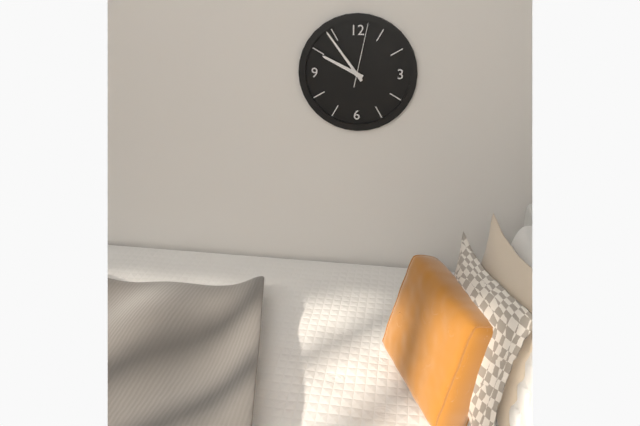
9:54:02
